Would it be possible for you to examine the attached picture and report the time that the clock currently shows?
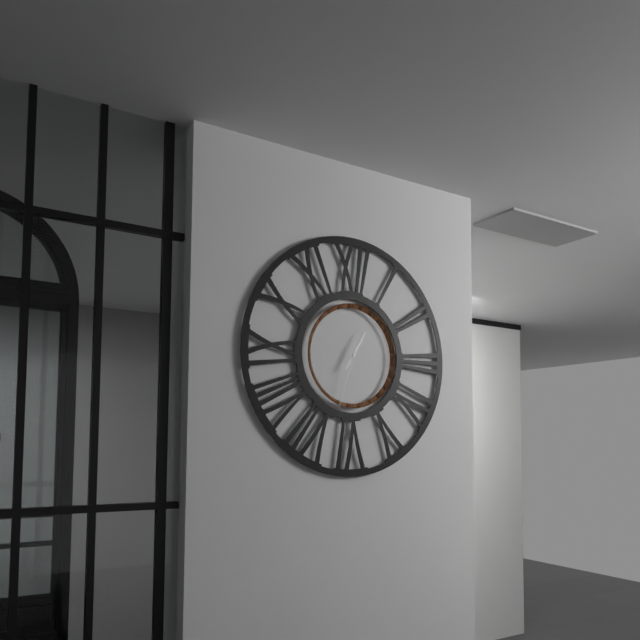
7:05:33
